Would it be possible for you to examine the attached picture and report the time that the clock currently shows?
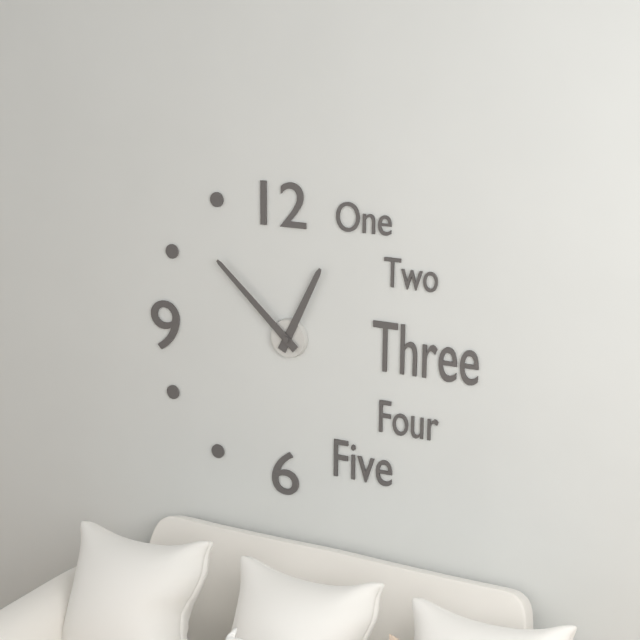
12:52
